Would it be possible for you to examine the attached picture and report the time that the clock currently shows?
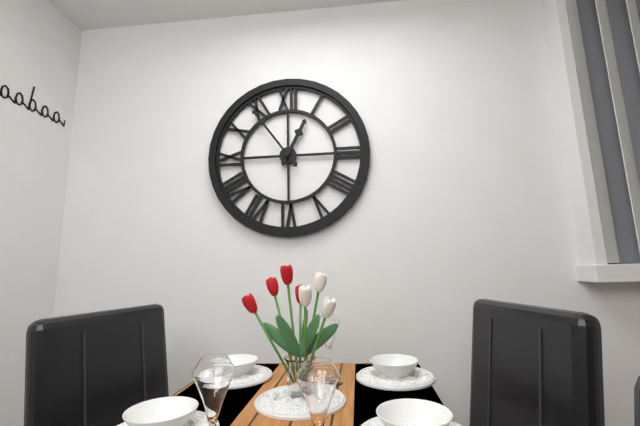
12:54
